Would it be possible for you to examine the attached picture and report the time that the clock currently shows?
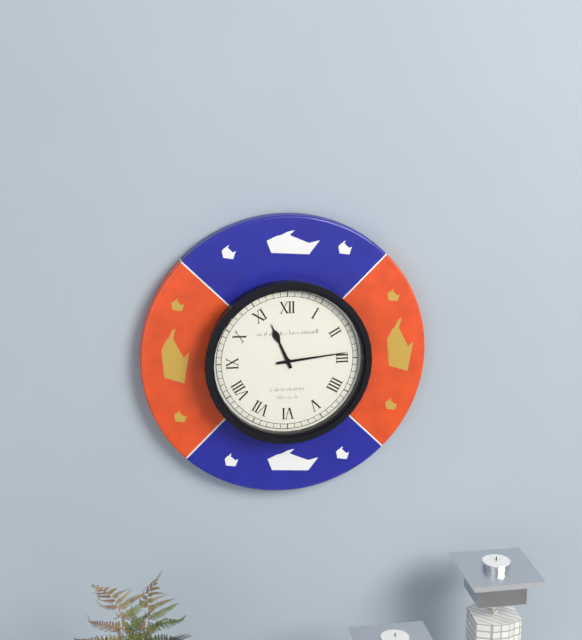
11:14
